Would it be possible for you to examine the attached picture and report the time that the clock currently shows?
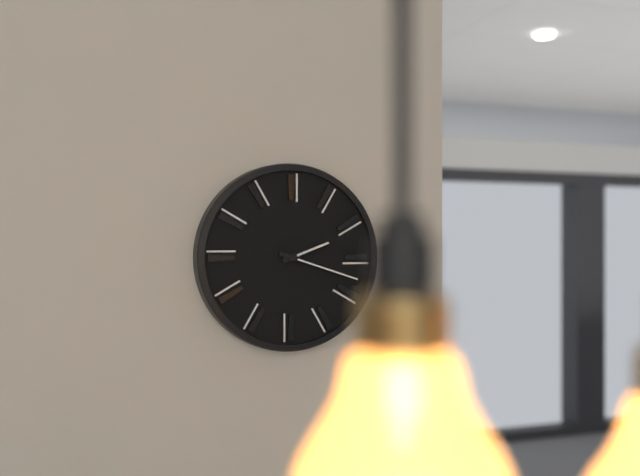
2:18
